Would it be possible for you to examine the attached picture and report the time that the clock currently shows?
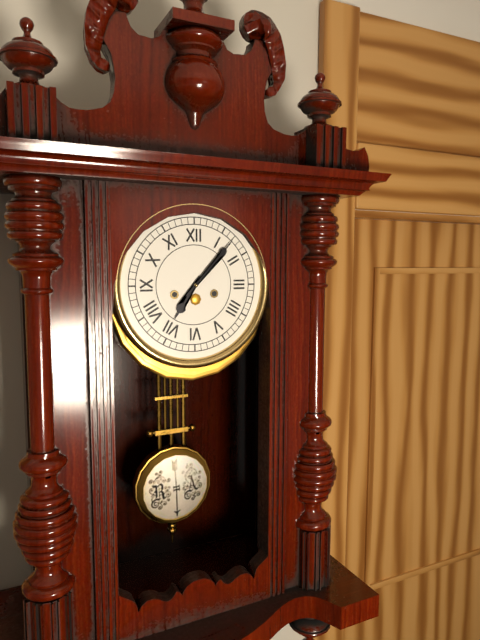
7:07
